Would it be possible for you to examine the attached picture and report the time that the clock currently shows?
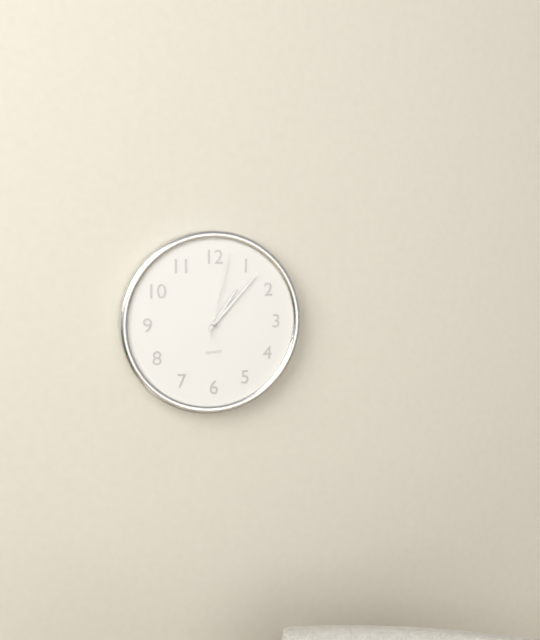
1:07:02
